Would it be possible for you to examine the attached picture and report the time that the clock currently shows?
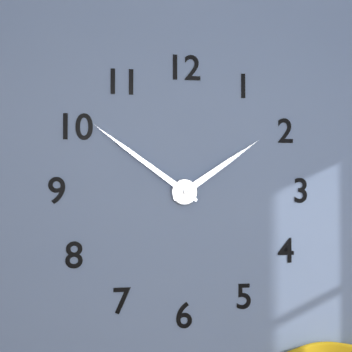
1:51
